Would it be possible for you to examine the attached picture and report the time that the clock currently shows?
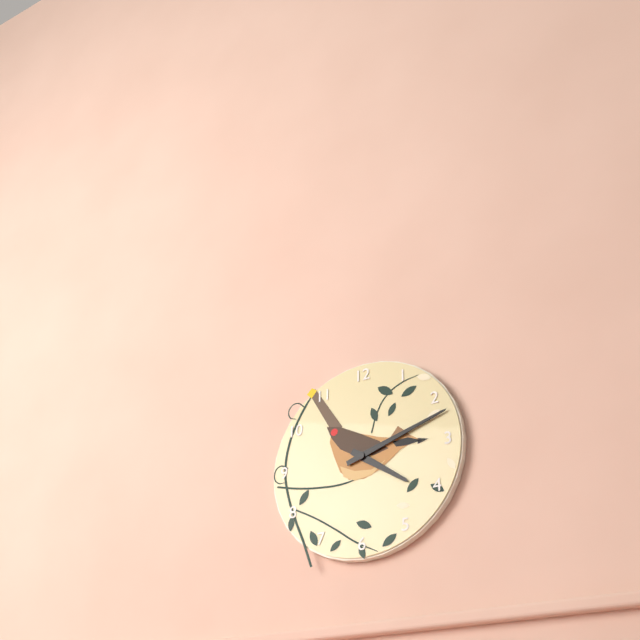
4:12
